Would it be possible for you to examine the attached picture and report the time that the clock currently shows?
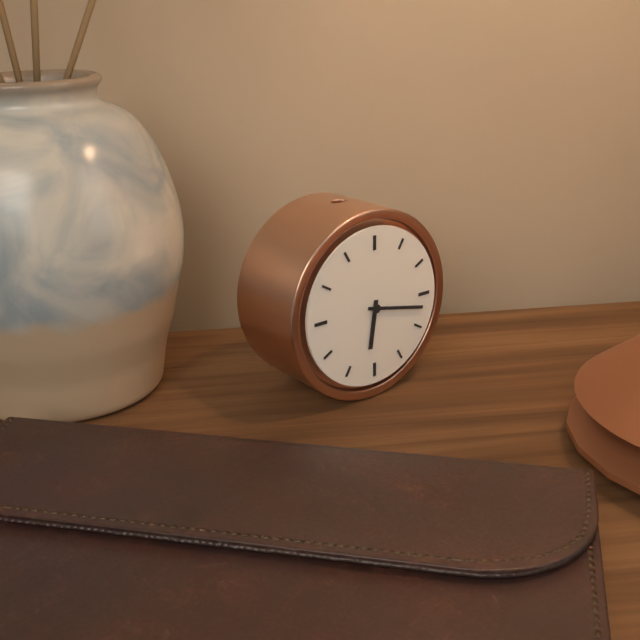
6:17
